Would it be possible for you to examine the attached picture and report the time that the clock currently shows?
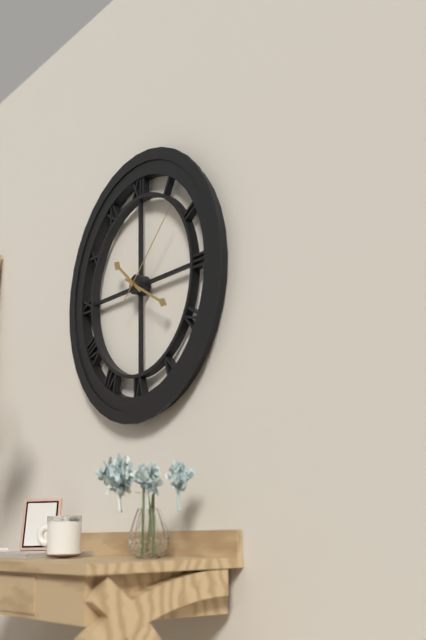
10:20:08
